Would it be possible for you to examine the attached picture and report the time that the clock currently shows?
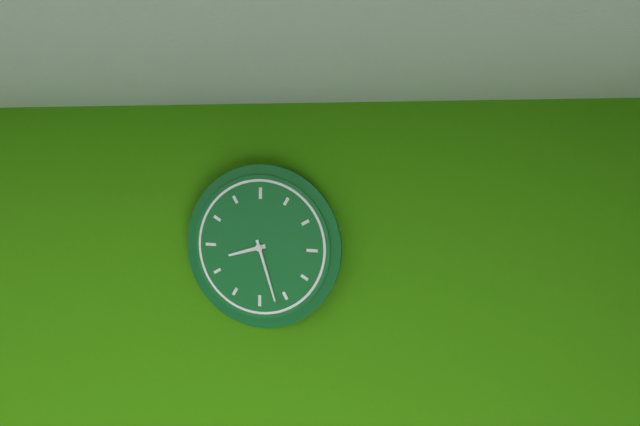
8:27
